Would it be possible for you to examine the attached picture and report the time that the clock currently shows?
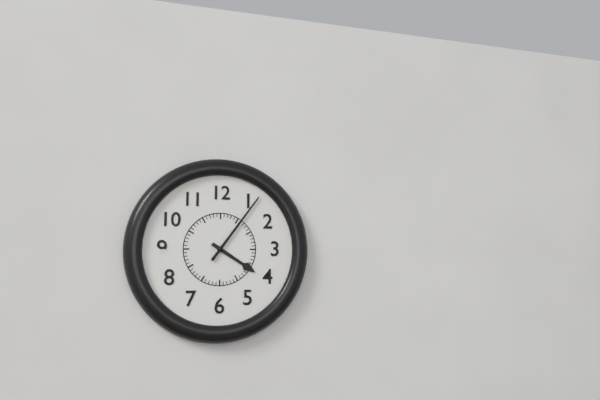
4:06
